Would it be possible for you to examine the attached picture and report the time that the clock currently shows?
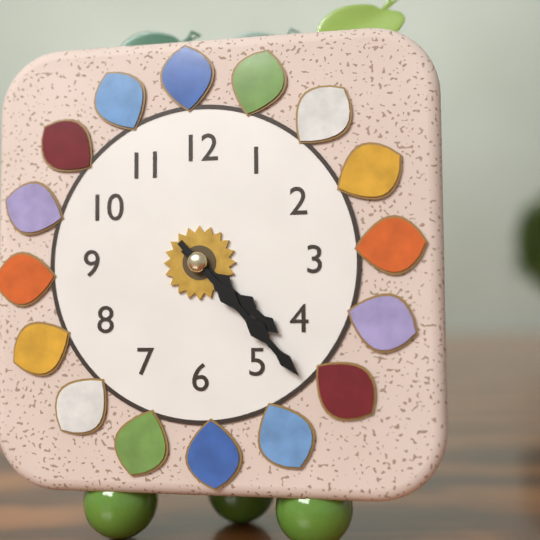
4:23
